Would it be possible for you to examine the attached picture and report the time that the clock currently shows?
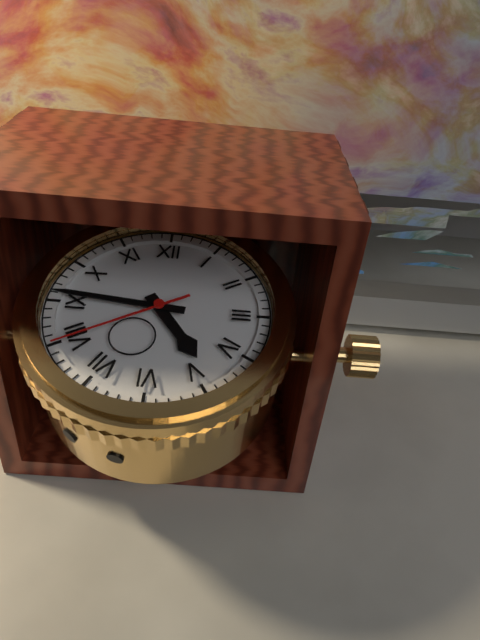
4:46:40
